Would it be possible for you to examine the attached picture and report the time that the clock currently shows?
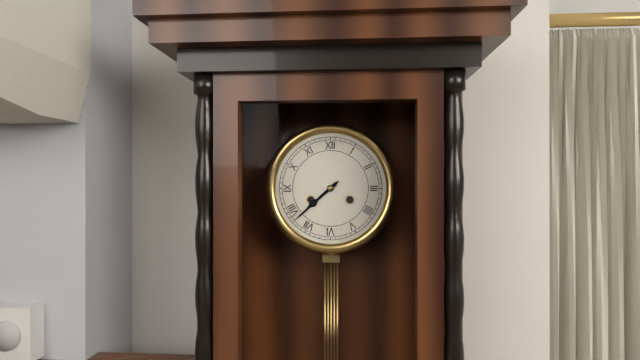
7:38
